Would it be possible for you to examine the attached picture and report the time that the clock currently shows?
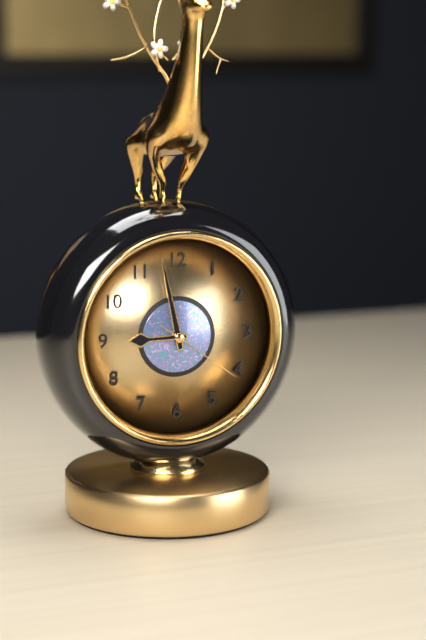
8:58:21
